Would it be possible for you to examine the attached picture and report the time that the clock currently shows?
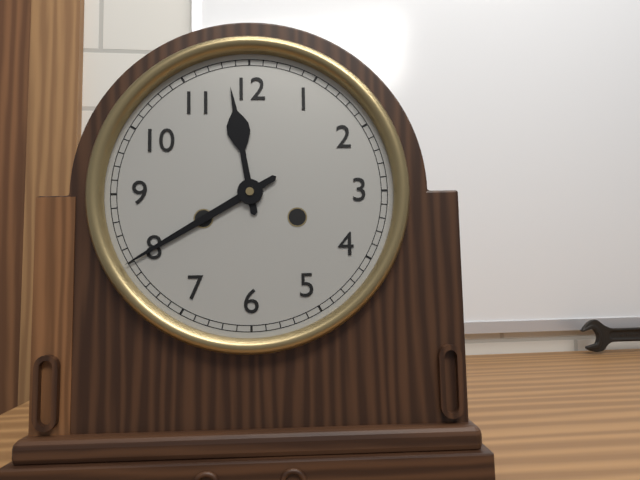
11:40
